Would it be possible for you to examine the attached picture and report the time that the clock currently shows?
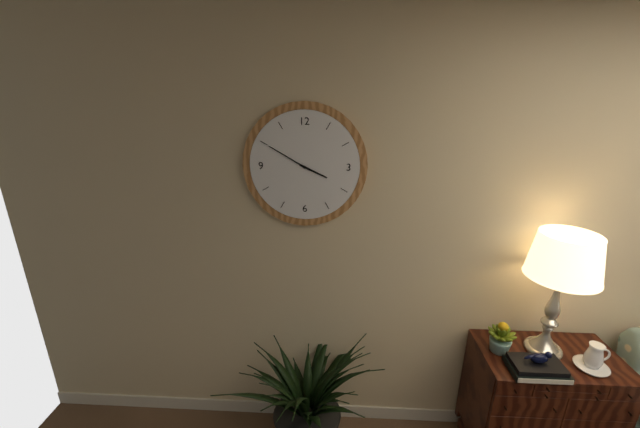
3:50
